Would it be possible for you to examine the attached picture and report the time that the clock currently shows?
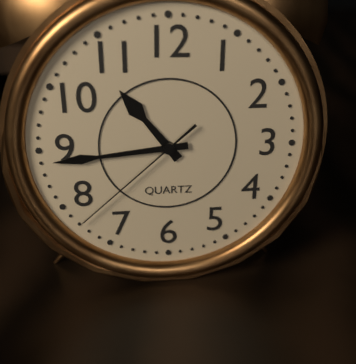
10:44:38
